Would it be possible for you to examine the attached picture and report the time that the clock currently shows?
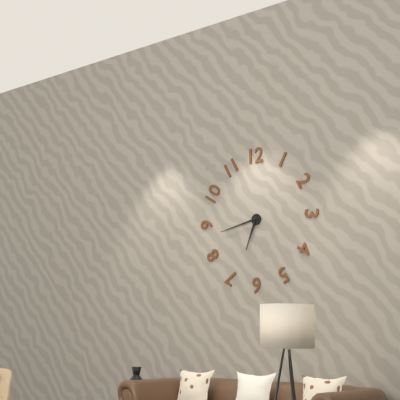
6:43
